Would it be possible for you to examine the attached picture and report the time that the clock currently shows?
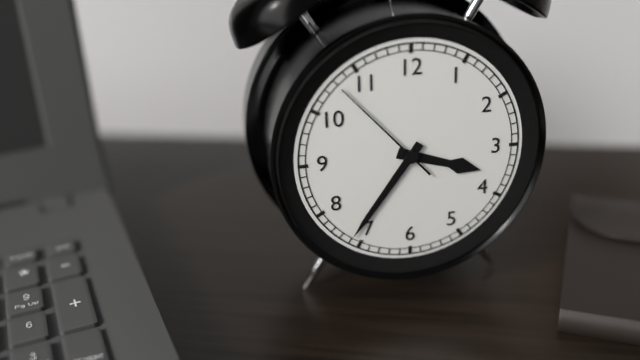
3:36:53
